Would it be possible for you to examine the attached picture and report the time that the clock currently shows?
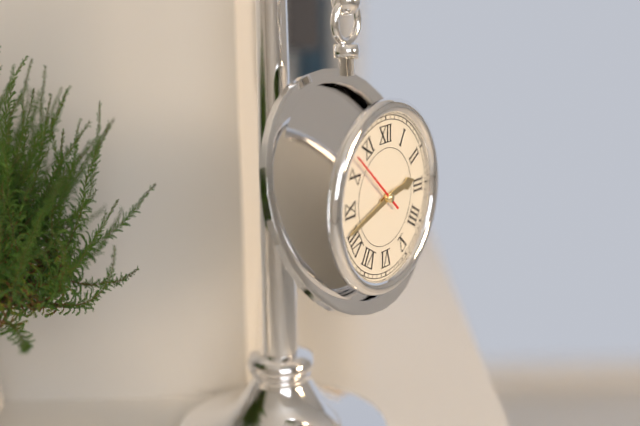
2:42:52
